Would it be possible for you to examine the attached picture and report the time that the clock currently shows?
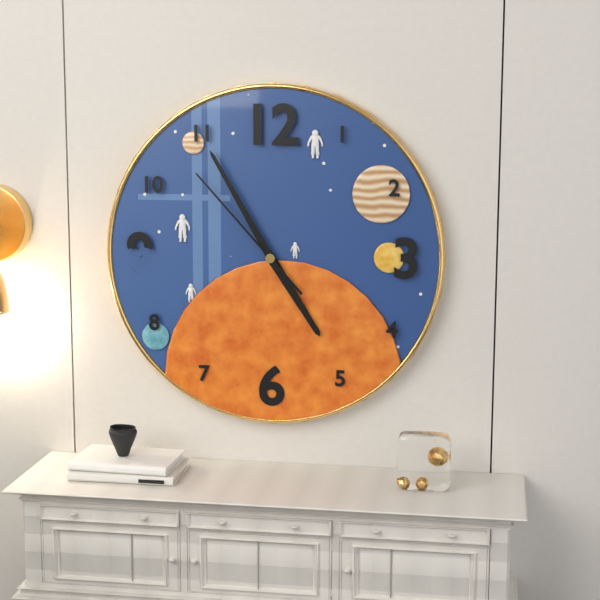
4:55:53
